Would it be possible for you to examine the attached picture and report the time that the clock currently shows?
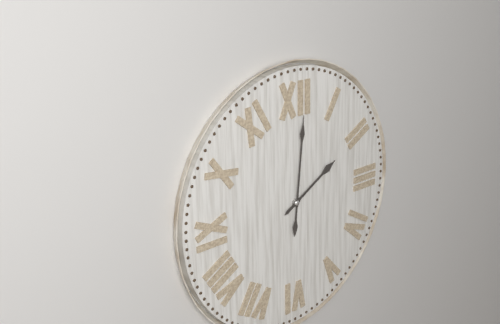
2:01
